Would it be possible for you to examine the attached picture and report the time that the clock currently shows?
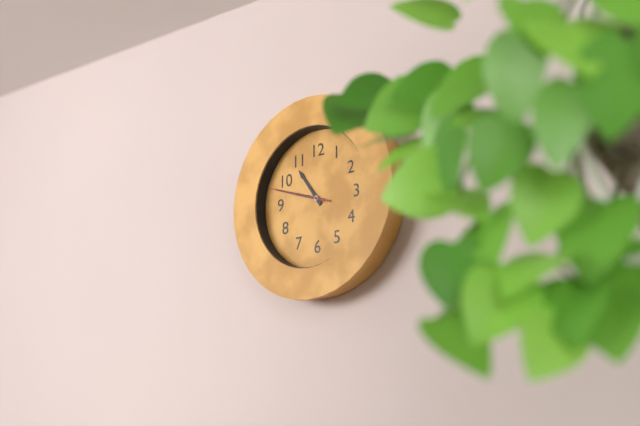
10:48:48
